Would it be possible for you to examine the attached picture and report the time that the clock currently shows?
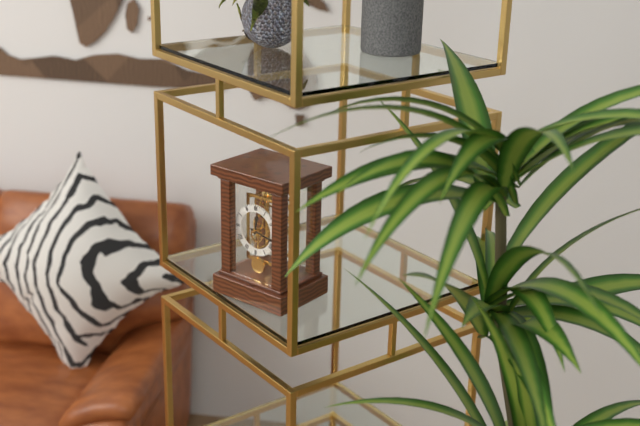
12:17
